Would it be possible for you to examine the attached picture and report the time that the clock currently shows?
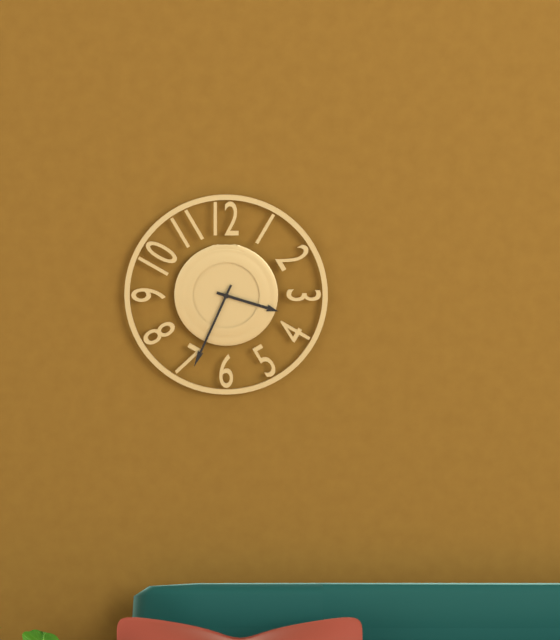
3:34
